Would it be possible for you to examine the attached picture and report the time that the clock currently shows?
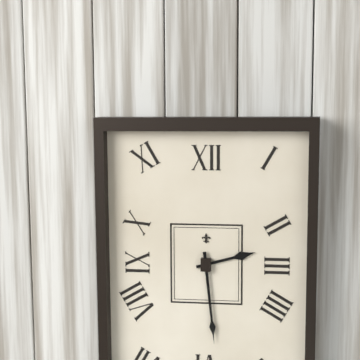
2:29
